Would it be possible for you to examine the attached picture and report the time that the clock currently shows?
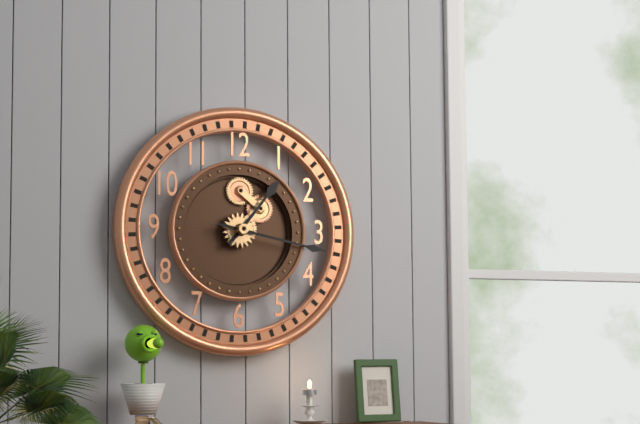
1:17
